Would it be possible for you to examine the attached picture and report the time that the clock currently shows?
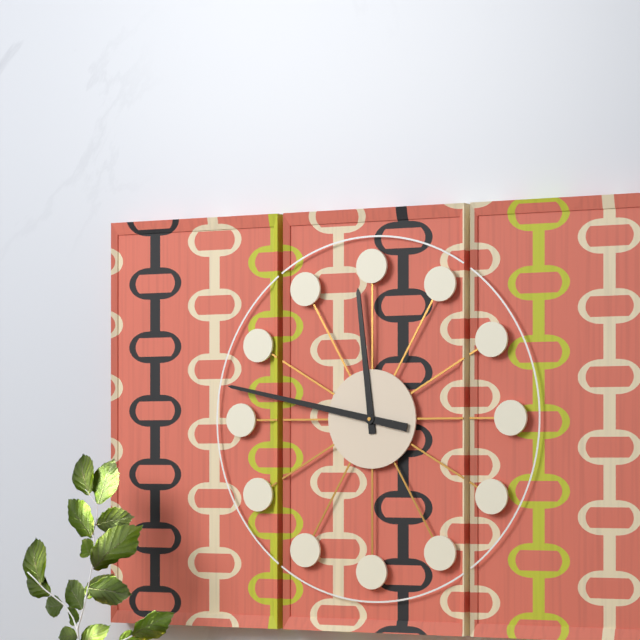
11:47
